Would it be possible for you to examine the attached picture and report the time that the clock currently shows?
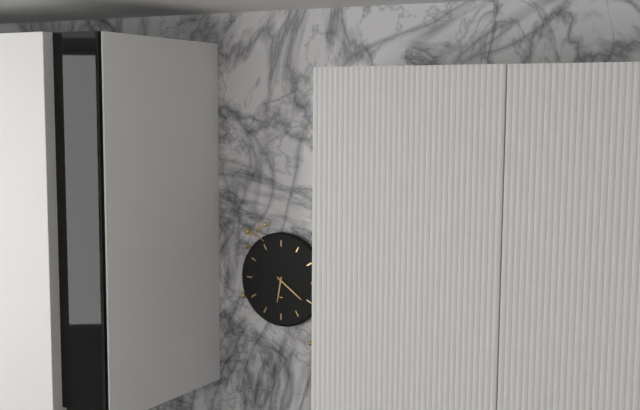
6:21
